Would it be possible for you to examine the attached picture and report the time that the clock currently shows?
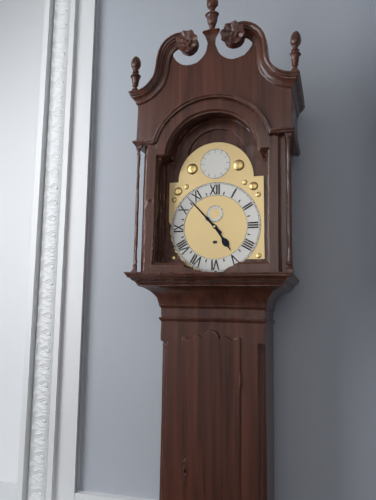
4:53
